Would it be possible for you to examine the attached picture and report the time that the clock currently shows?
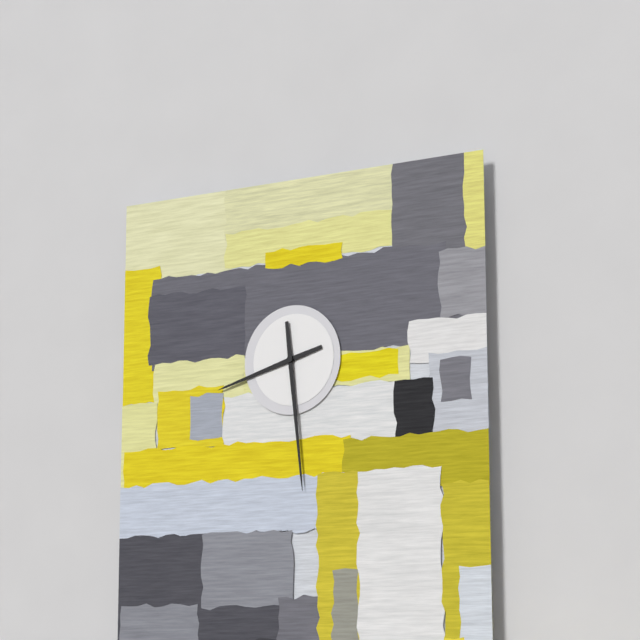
8:29
